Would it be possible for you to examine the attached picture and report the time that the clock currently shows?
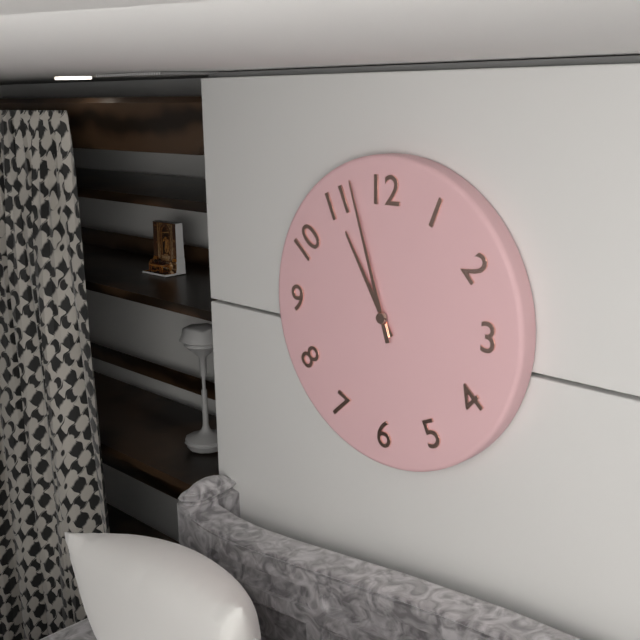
10:57
